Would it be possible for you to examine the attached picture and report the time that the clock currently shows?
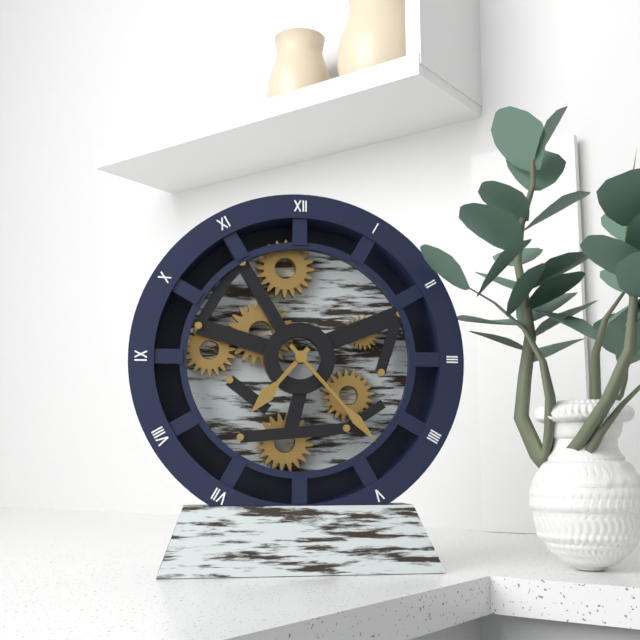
7:23
